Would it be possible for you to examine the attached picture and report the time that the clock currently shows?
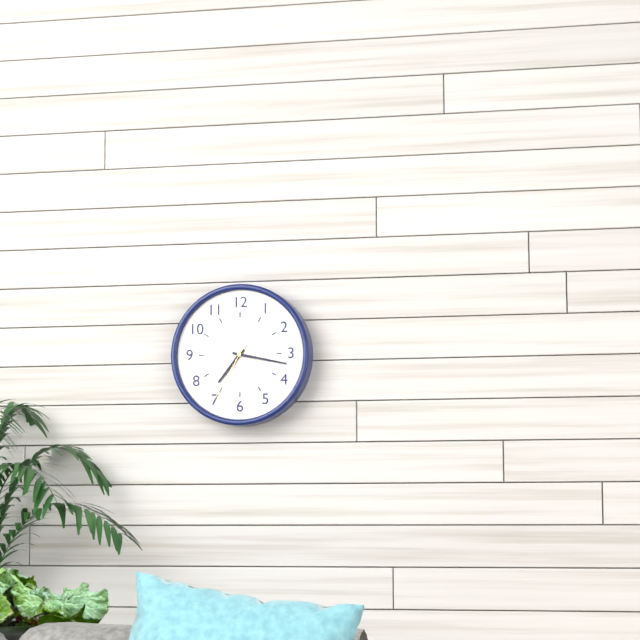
7:17:35
